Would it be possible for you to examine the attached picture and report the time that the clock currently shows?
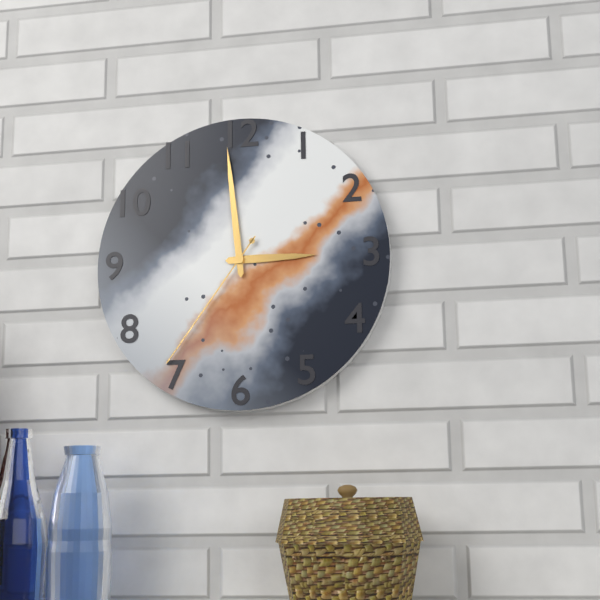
2:59:36
